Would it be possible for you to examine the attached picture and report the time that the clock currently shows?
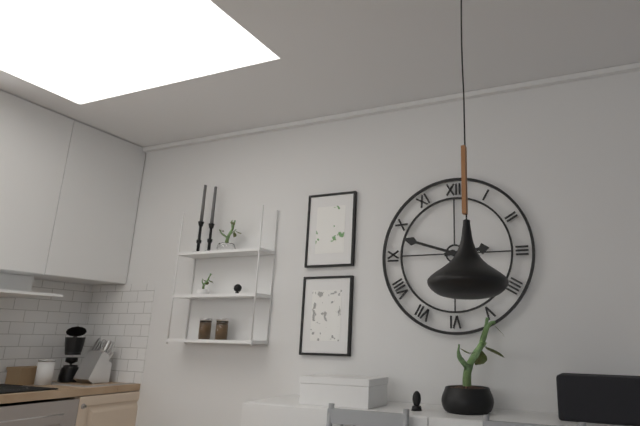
2:48
